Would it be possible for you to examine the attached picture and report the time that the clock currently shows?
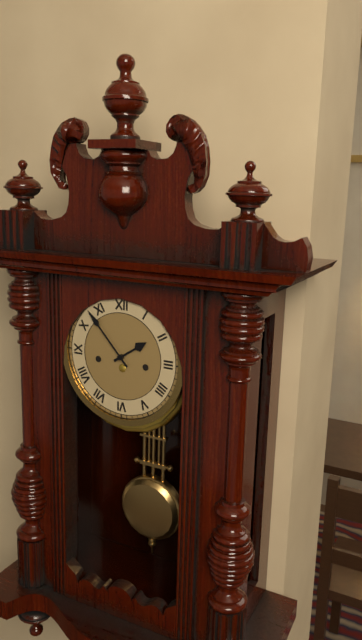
1:53
